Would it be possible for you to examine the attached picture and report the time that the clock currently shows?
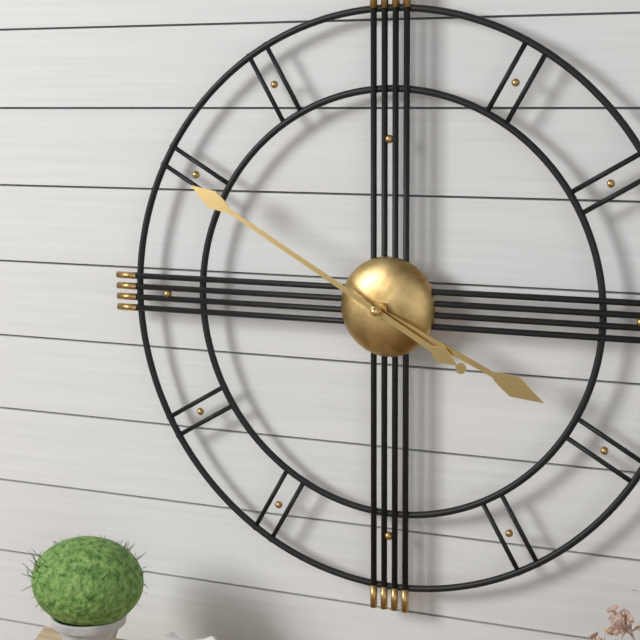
3:50
